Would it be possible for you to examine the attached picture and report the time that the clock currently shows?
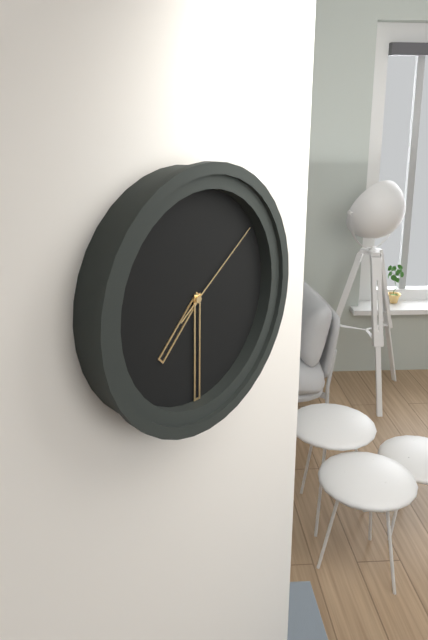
7:30:09
